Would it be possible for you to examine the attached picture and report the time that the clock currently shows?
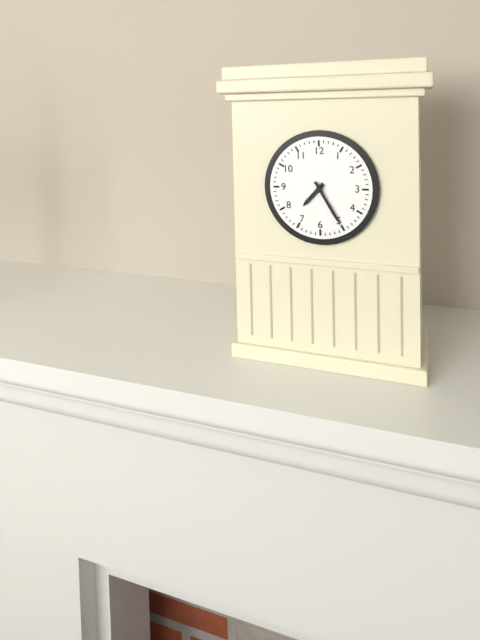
7:25
